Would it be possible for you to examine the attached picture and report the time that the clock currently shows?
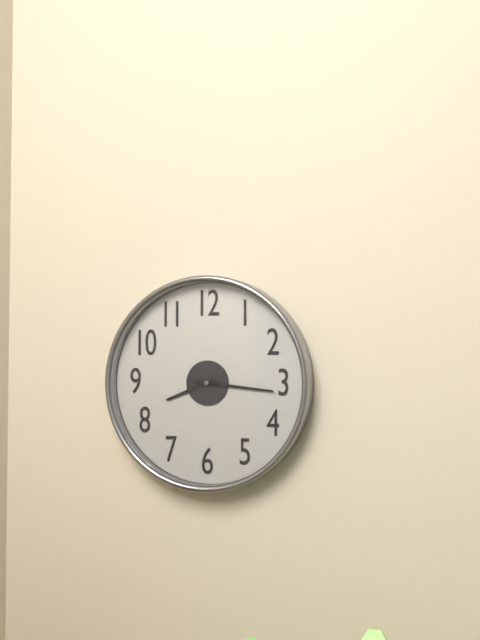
8:16
